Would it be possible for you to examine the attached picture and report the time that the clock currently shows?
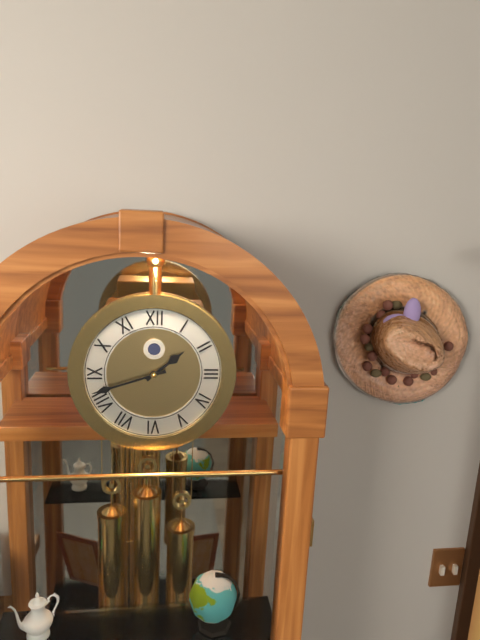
1:42
